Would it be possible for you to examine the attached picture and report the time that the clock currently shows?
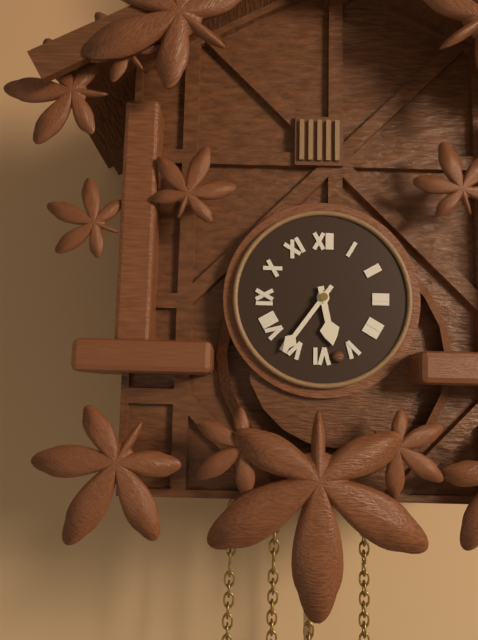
5:36
